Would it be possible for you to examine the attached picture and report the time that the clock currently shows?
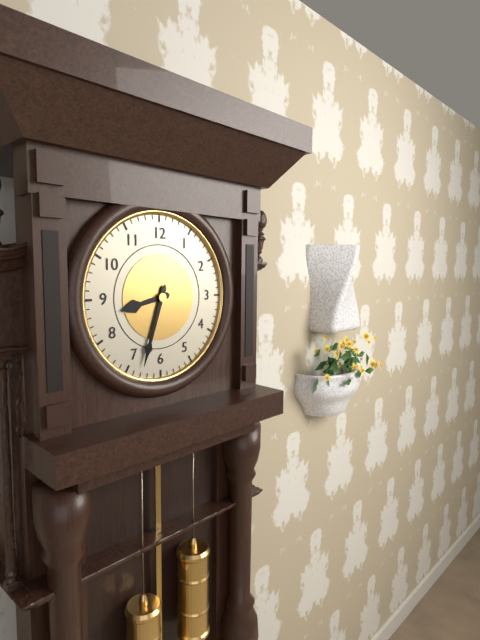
8:33
